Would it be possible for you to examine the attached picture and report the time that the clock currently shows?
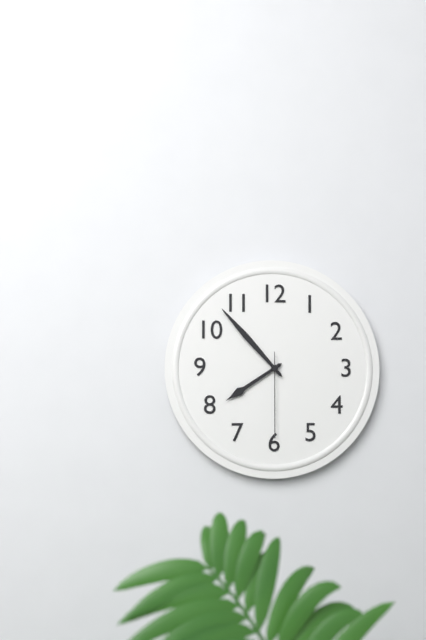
7:53:30
